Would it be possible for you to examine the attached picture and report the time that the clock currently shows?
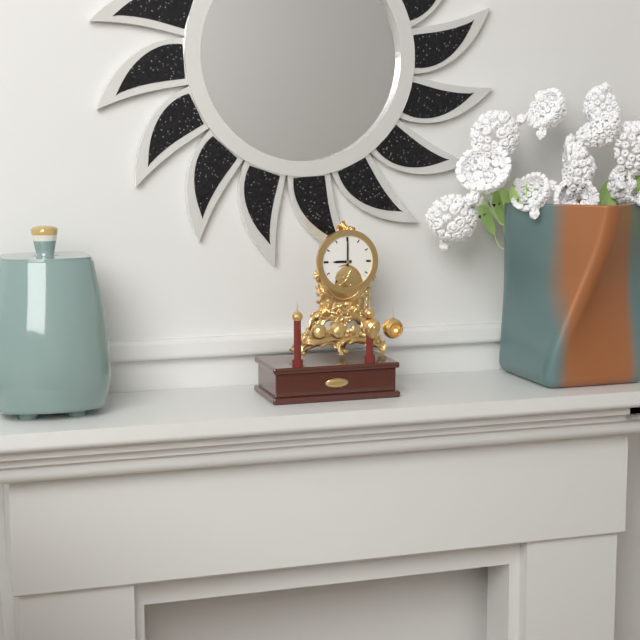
9:00
